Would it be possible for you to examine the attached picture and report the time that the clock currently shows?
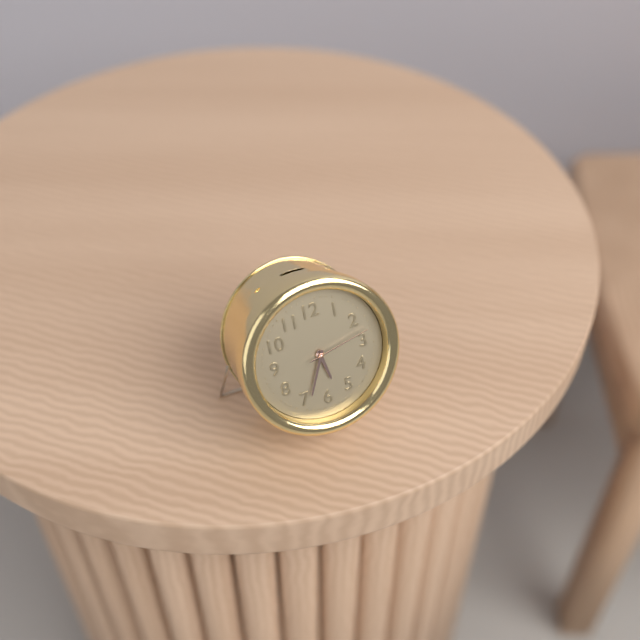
5:34:13
